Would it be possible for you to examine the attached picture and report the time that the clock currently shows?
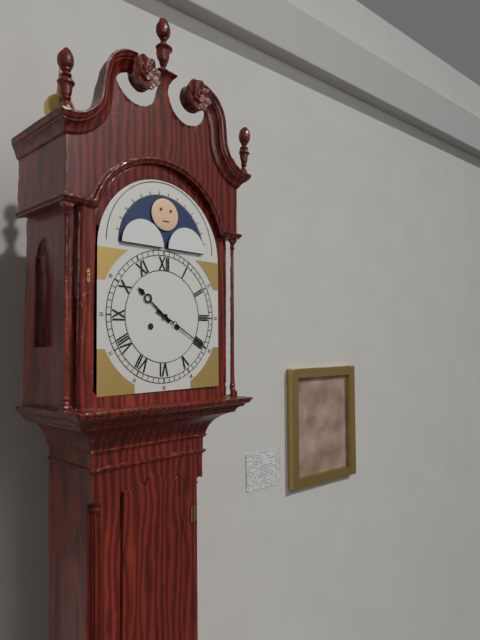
10:20
